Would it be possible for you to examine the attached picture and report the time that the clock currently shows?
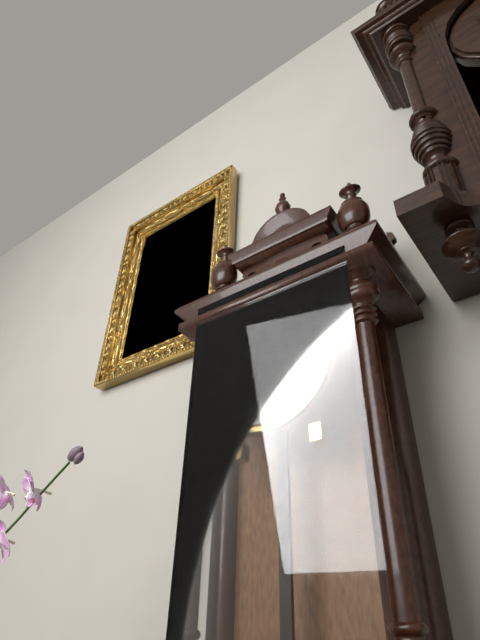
5:12
